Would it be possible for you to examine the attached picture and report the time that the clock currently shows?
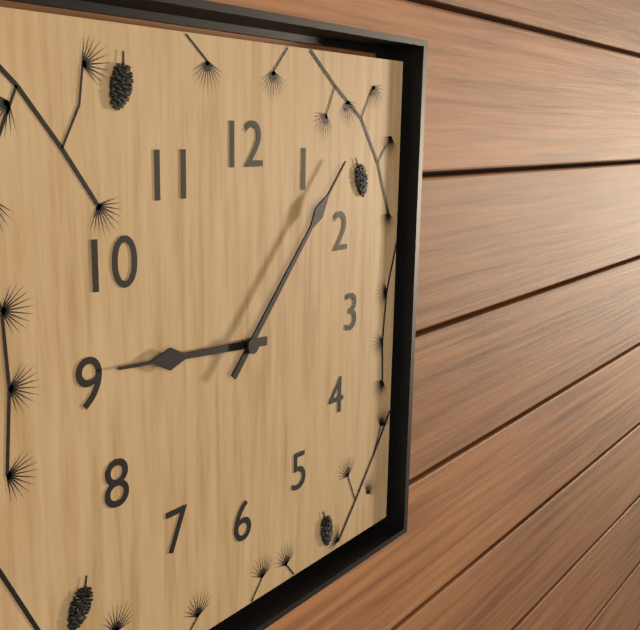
9:07
